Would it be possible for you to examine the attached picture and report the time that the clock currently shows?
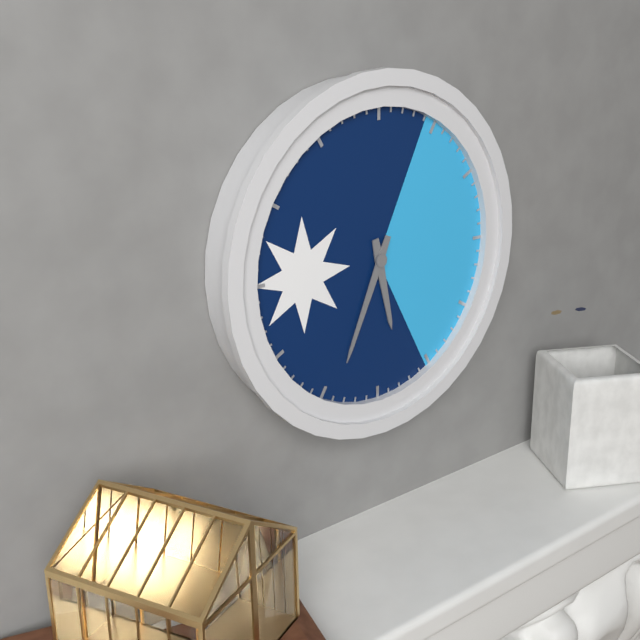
5:34
